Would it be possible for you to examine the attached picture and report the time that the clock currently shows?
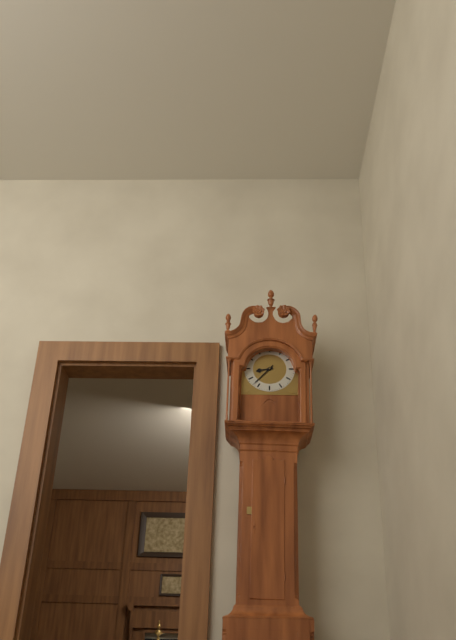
8:37
